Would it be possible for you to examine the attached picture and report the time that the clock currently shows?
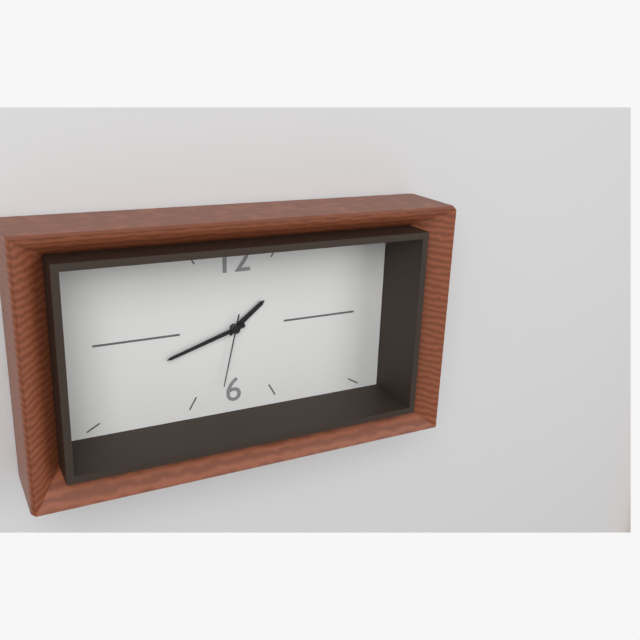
1:42:32
